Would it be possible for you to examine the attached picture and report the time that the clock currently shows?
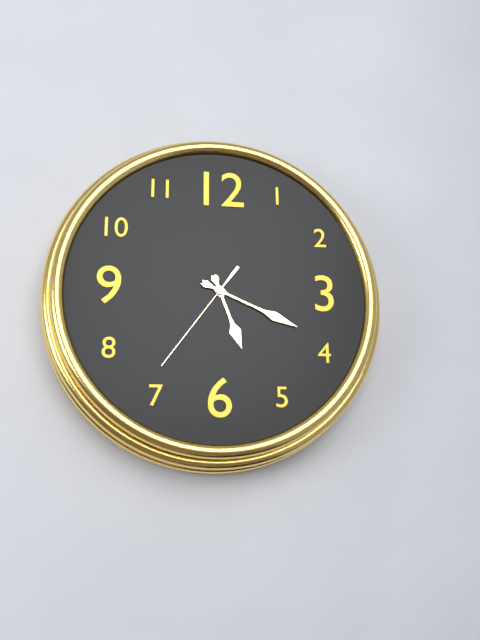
5:19:36
